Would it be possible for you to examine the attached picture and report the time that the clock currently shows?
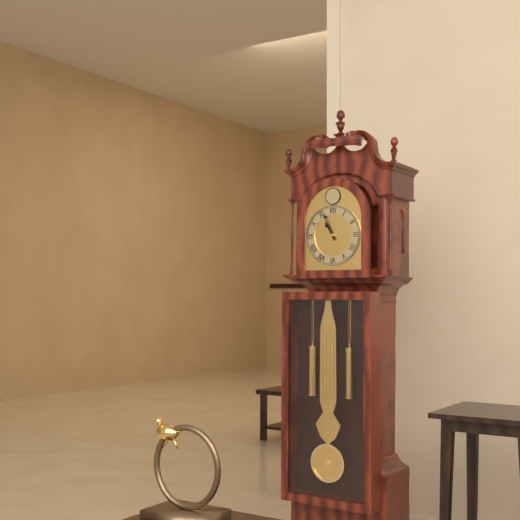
10:56
